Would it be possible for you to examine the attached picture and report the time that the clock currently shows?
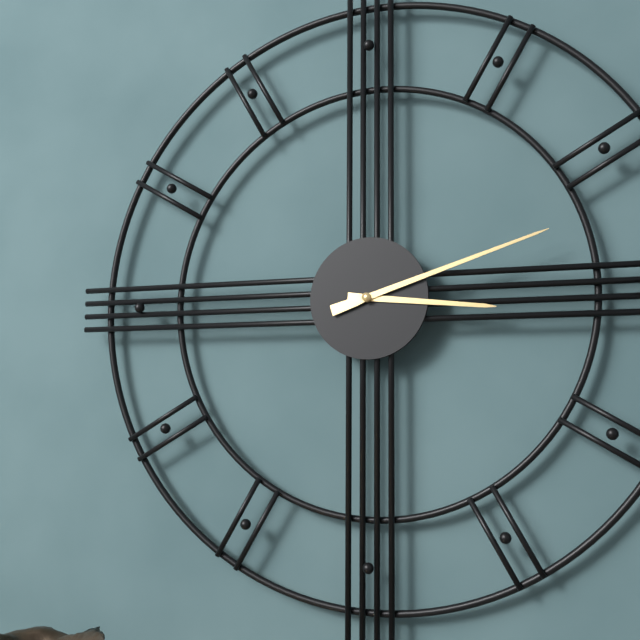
3:12
